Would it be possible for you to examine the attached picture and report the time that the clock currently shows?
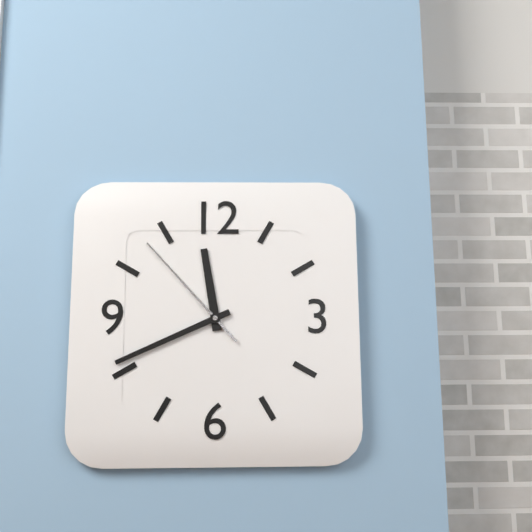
11:41:53
